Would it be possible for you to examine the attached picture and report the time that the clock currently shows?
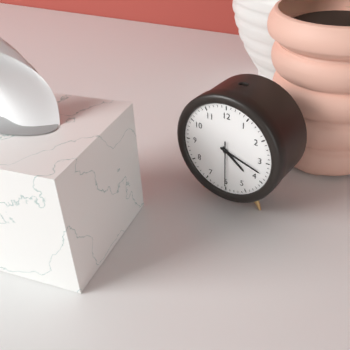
4:18
